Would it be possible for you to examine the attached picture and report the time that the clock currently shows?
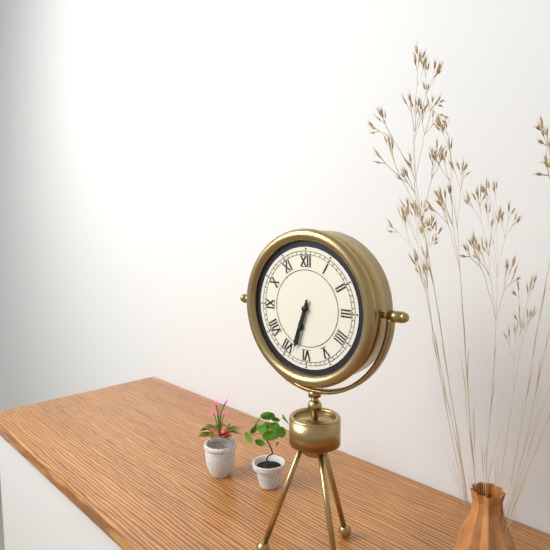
6:33
